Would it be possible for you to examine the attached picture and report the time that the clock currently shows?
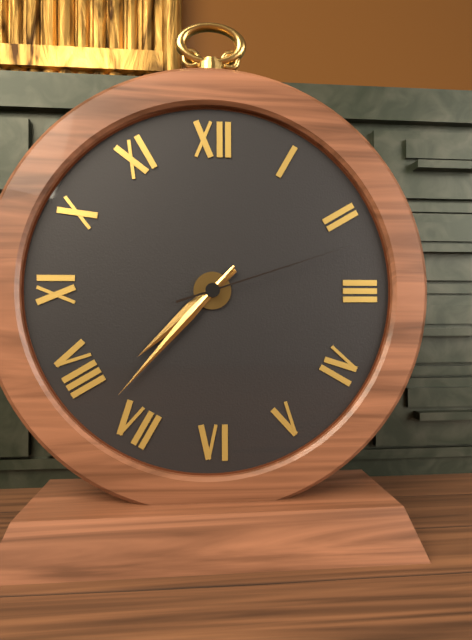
7:37:12
